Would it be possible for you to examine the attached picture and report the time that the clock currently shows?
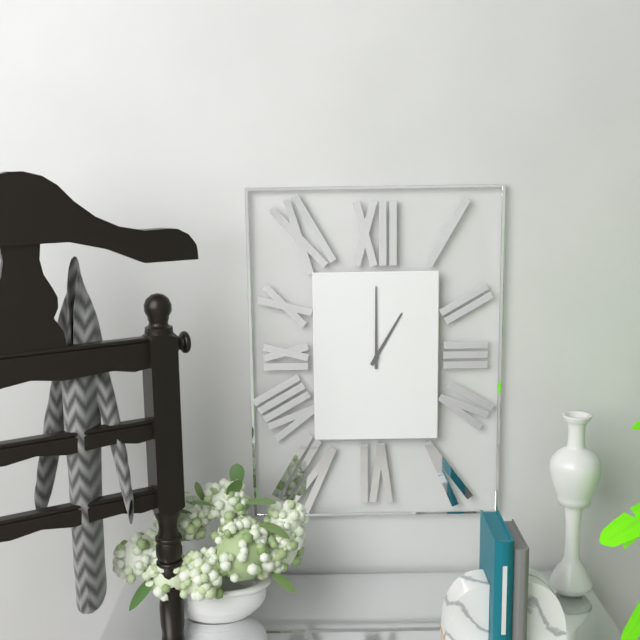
1:00
